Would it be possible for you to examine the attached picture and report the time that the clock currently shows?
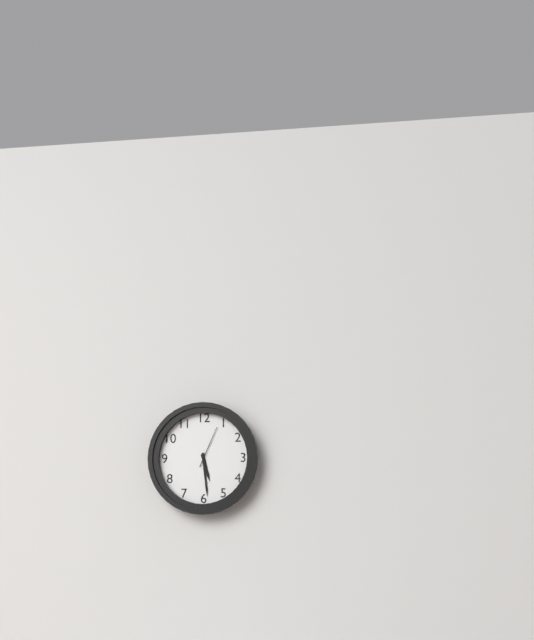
5:29
